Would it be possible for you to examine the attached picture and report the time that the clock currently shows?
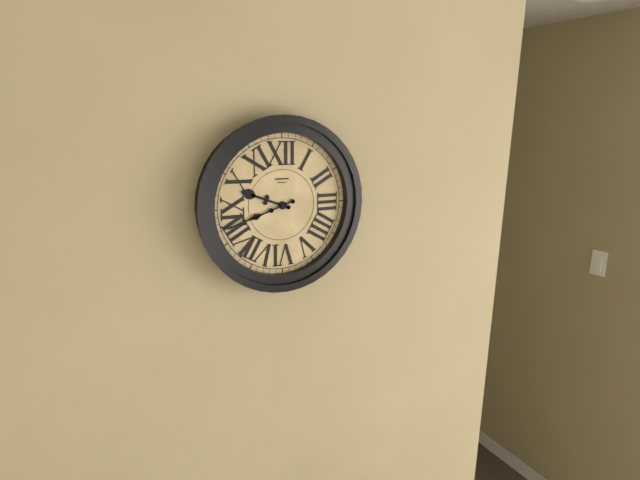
9:42
